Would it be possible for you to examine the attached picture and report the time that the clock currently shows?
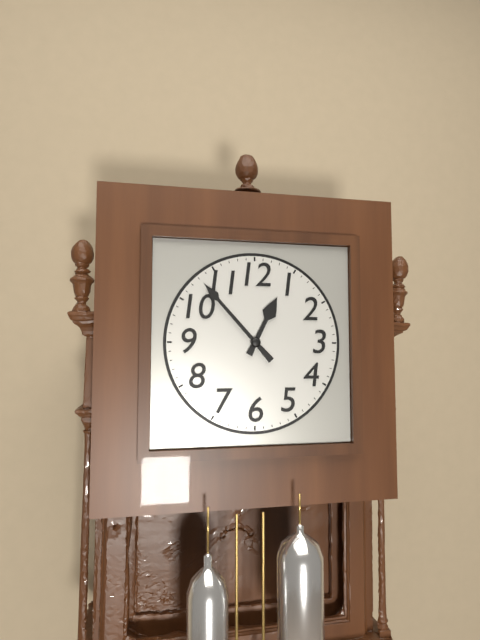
12:53
